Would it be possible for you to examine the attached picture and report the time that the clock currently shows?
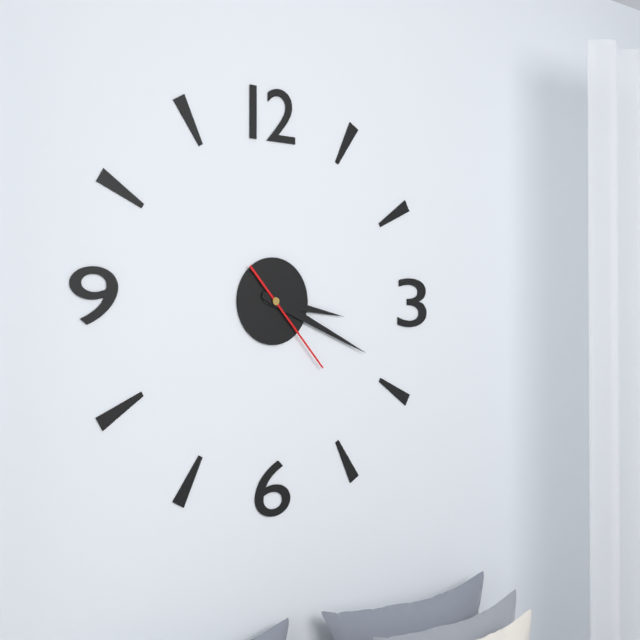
3:19:23
